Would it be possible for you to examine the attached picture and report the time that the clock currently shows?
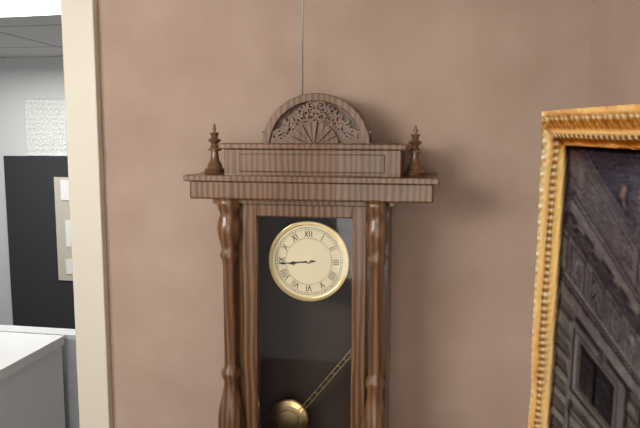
8:44
